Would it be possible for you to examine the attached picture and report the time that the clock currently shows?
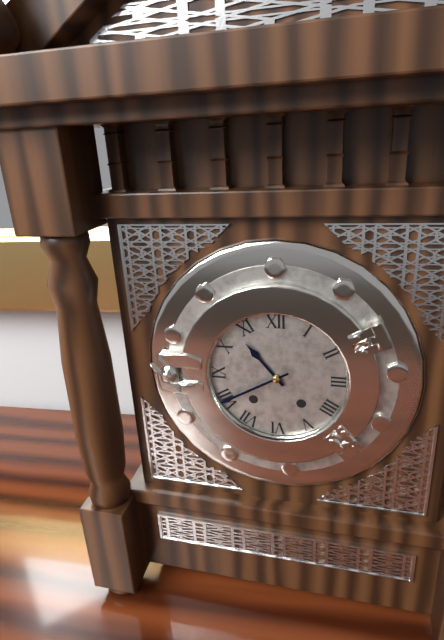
10:40
